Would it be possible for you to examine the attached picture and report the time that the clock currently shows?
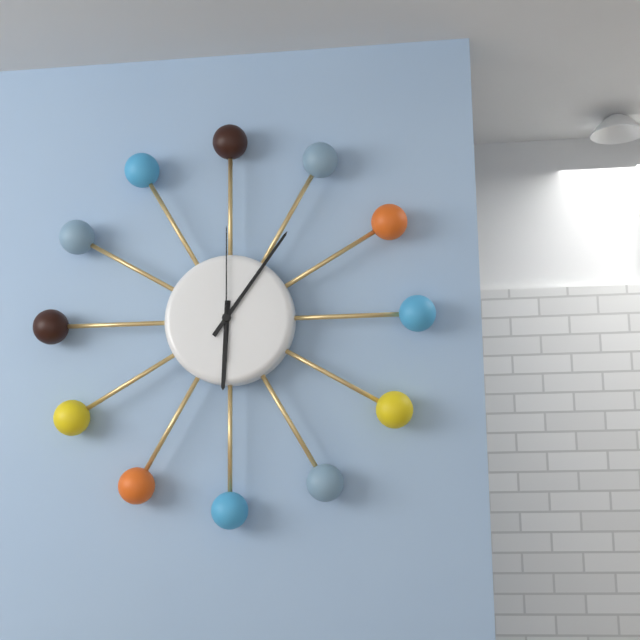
6:06:00
